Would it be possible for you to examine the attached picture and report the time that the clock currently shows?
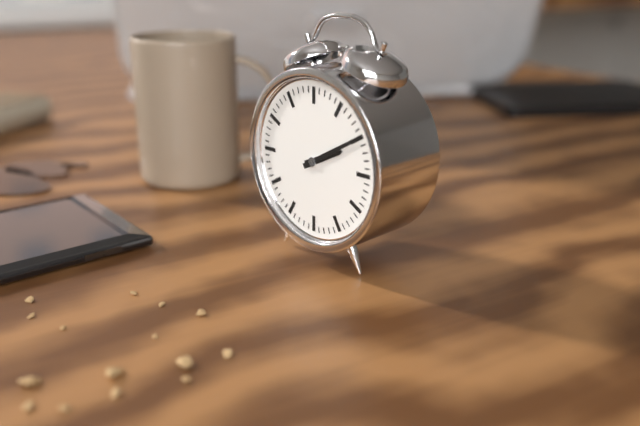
2:10
